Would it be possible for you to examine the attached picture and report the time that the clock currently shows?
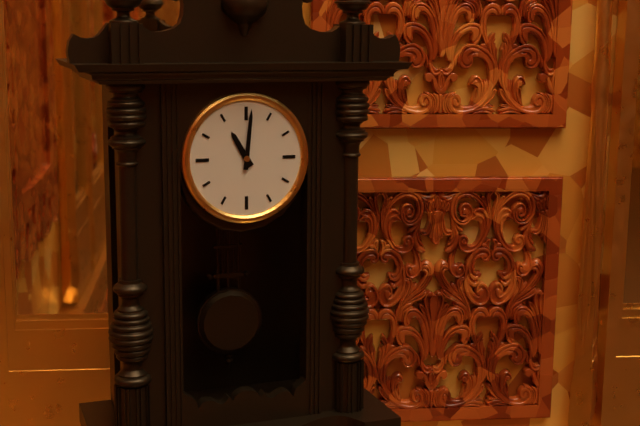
11:01
